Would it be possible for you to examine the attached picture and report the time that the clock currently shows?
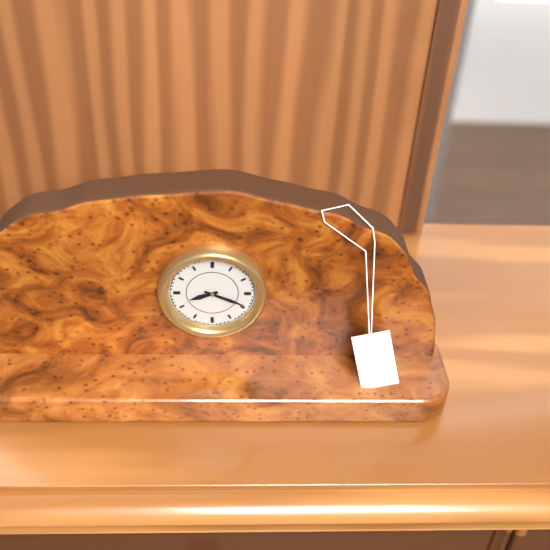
8:19
